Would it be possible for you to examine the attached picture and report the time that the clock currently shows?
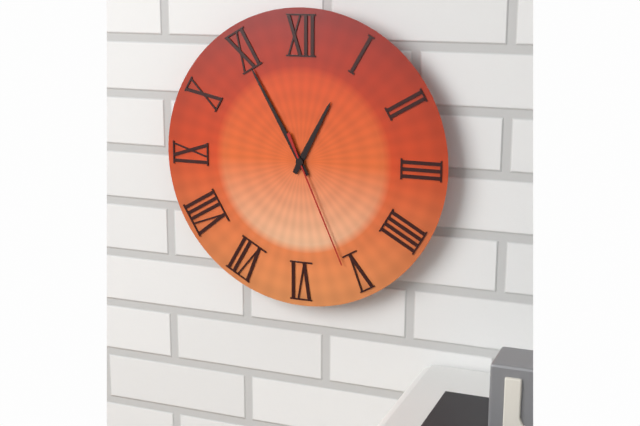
12:55:26
